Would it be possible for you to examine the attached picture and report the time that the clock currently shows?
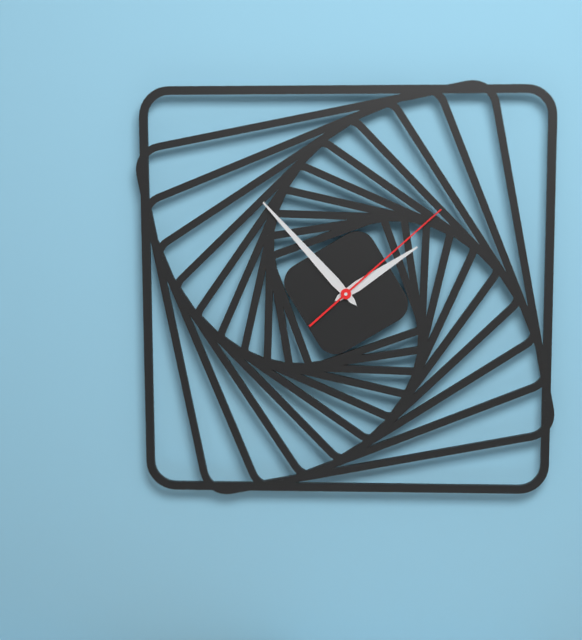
1:53:08
